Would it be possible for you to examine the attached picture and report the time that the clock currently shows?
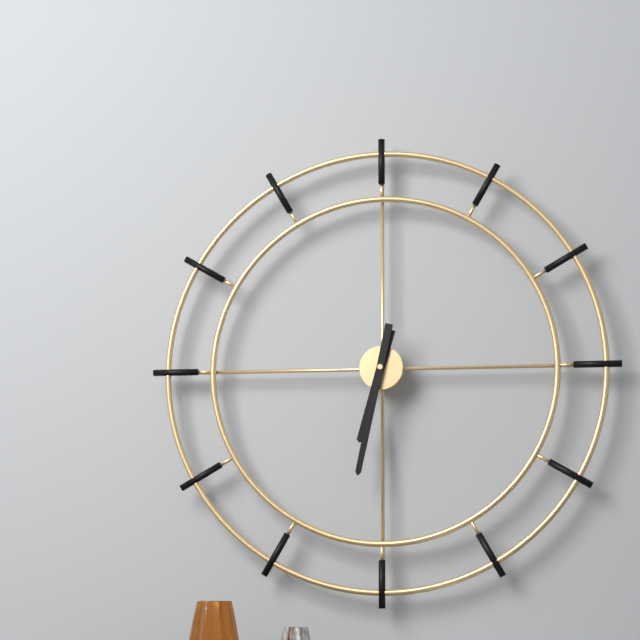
6:32
